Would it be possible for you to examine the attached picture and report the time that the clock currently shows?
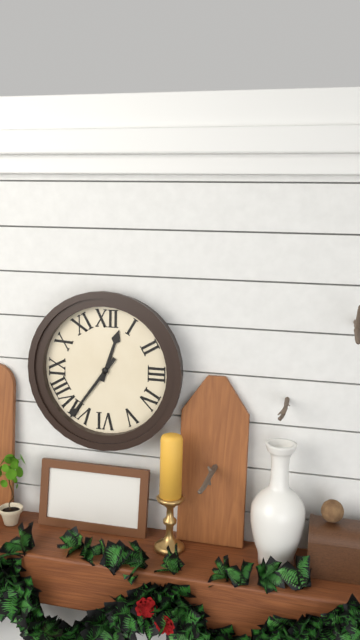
12:36
